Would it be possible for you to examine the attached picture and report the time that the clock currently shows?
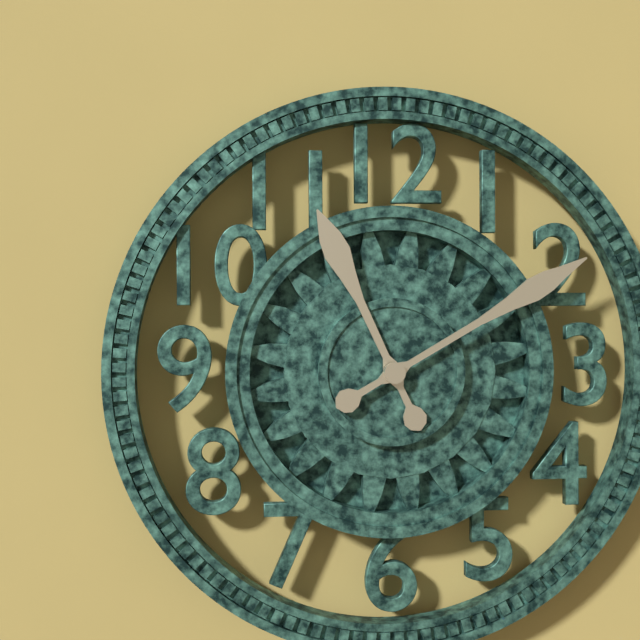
11:10
